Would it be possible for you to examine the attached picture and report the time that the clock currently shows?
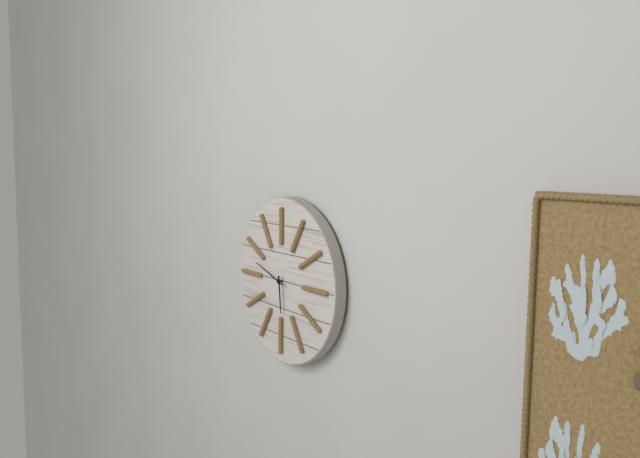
5:48
